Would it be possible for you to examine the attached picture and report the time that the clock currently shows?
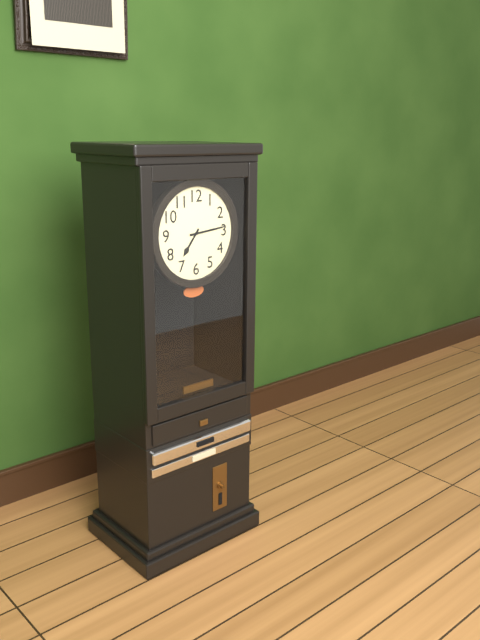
7:14
